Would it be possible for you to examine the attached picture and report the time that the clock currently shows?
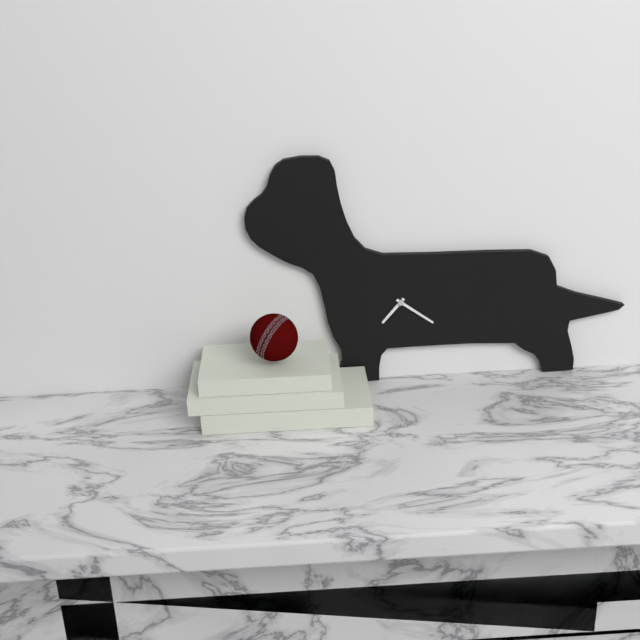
7:21
